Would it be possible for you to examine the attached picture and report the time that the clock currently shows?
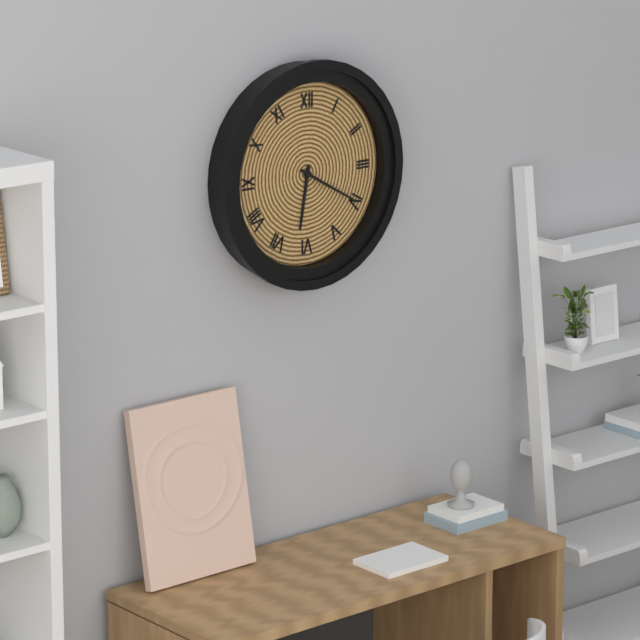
6:20
